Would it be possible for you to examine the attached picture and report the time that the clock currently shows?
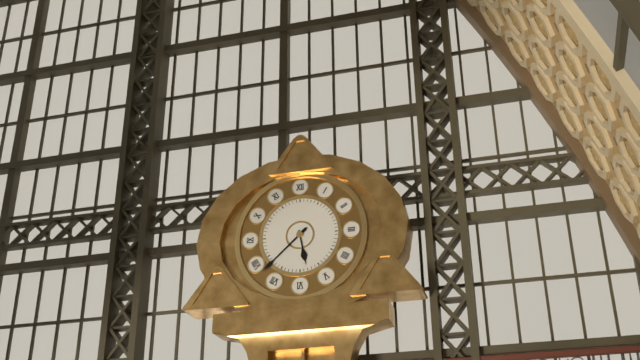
5:38
